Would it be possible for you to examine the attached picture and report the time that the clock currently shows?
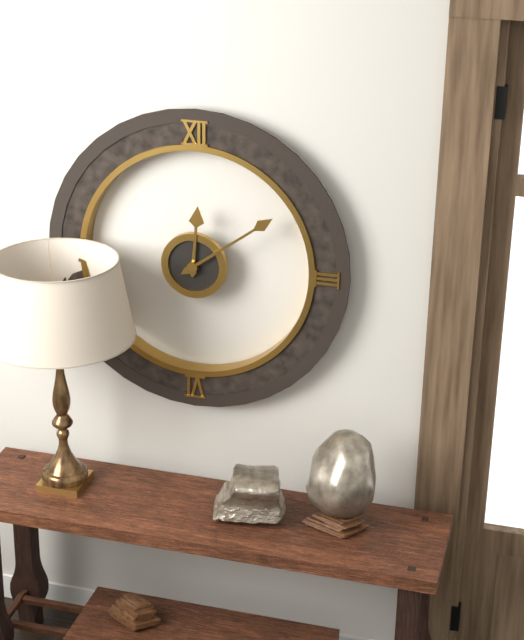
12:09
